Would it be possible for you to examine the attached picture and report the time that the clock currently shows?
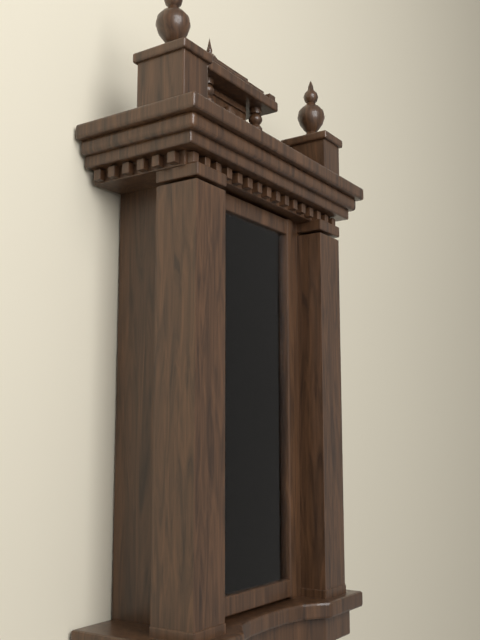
1:56
